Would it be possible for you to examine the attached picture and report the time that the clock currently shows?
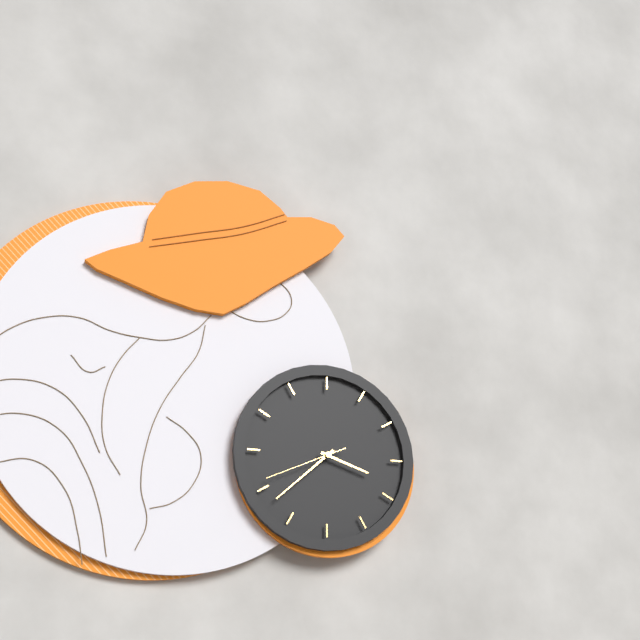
3:38:41
